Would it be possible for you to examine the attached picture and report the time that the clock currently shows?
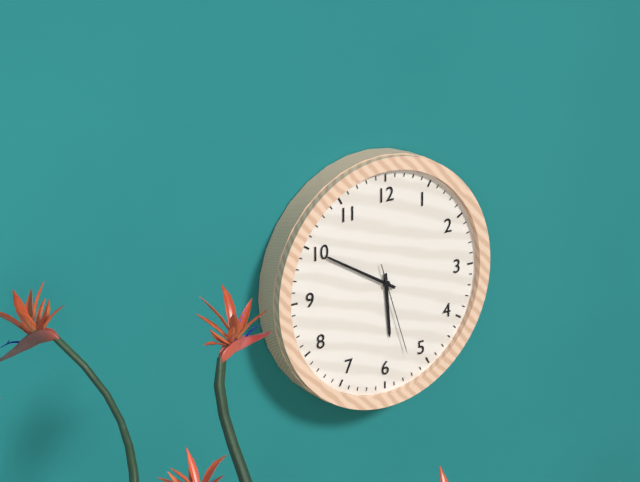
5:50:27
